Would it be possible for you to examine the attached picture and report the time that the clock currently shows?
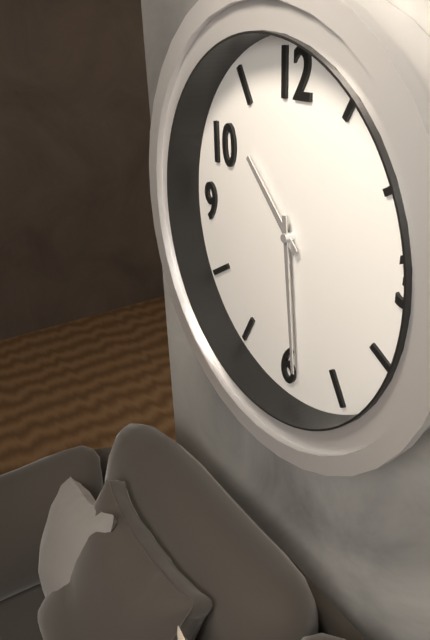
10:29
